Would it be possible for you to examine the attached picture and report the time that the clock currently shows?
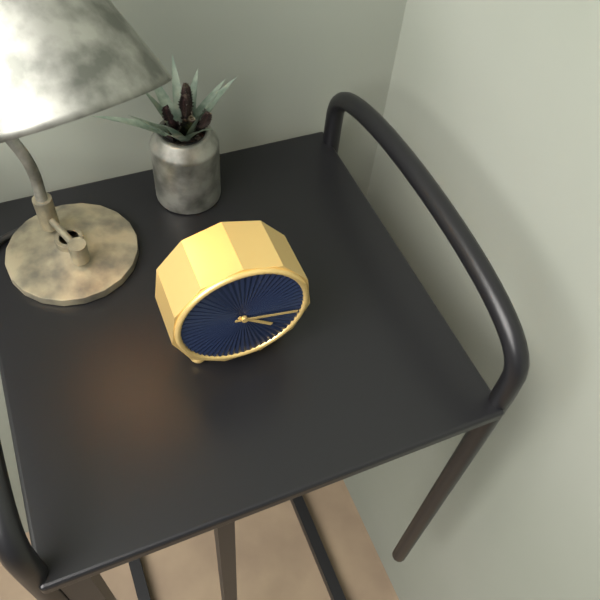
4:17
